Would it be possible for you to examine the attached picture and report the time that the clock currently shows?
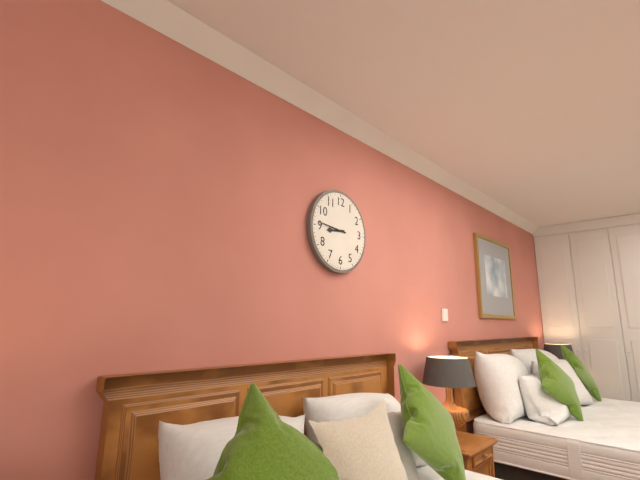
8:46
